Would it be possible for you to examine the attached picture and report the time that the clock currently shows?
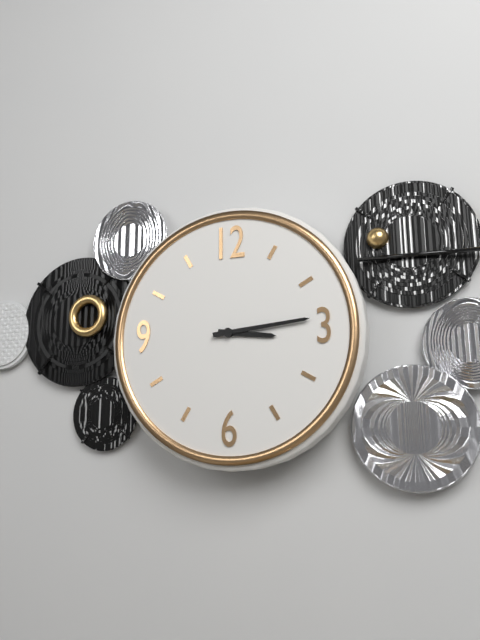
3:14
